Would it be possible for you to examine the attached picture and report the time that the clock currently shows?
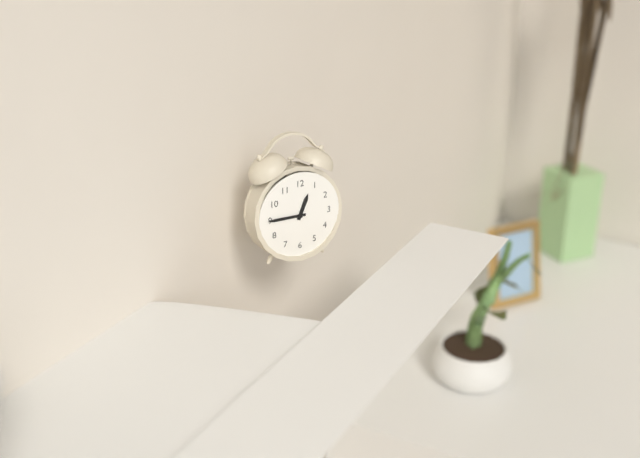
12:45
